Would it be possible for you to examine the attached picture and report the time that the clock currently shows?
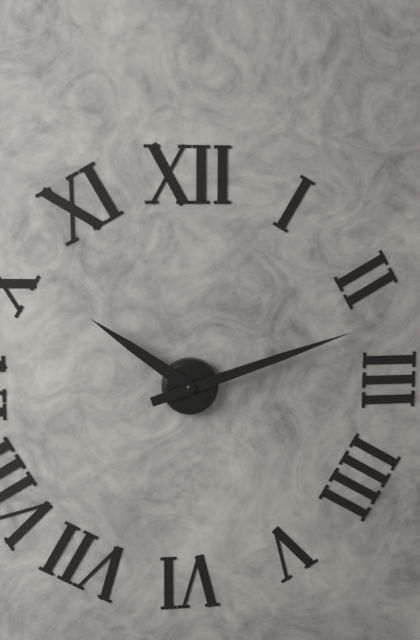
10:12
